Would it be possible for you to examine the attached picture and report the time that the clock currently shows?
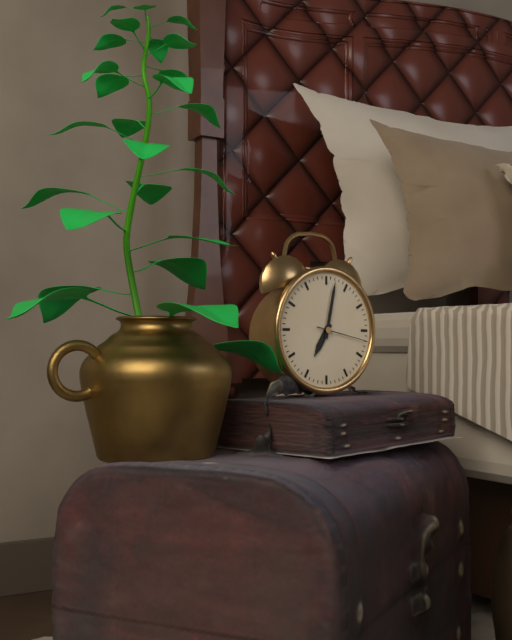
7:02:17
